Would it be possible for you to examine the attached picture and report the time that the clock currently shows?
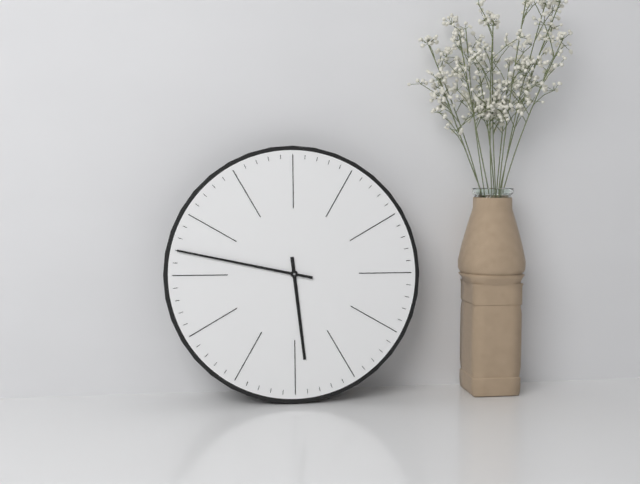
5:47
